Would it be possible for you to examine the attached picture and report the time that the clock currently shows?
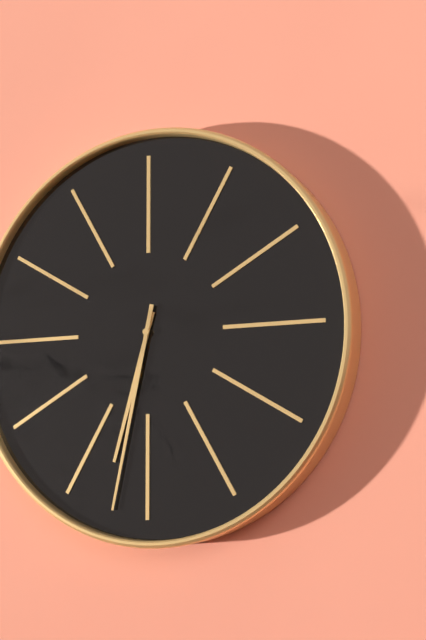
6:32
